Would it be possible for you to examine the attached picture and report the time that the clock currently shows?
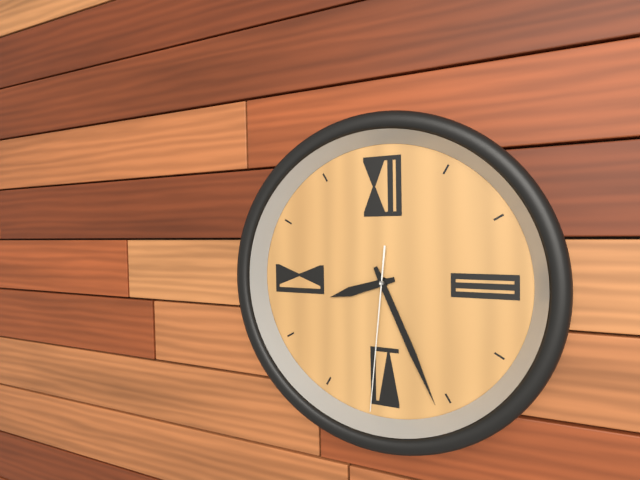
8:26:31
